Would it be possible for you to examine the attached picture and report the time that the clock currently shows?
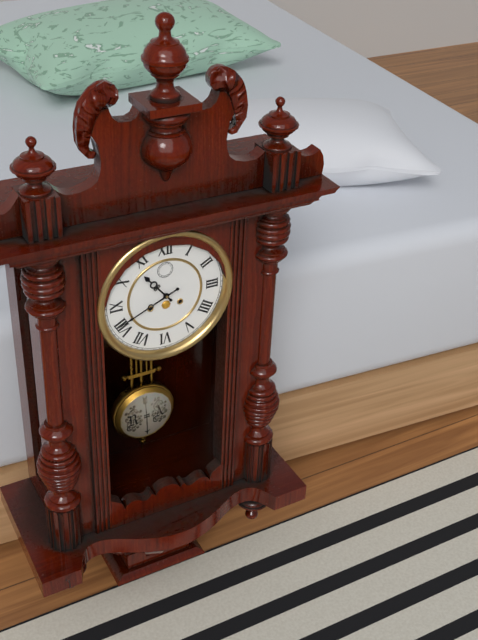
10:41
